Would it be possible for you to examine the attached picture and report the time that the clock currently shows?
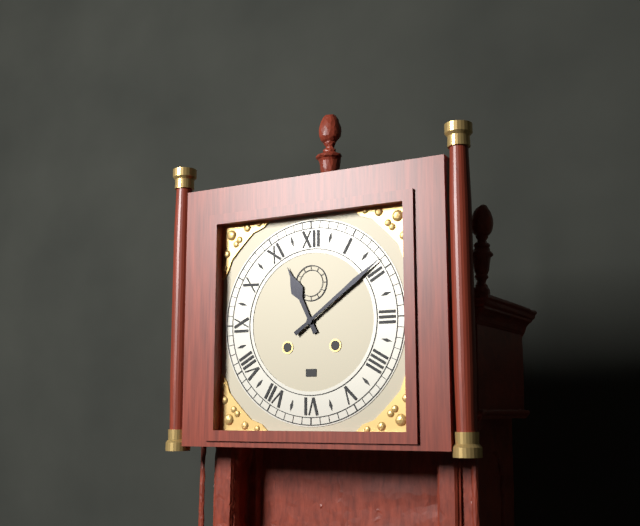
11:09
